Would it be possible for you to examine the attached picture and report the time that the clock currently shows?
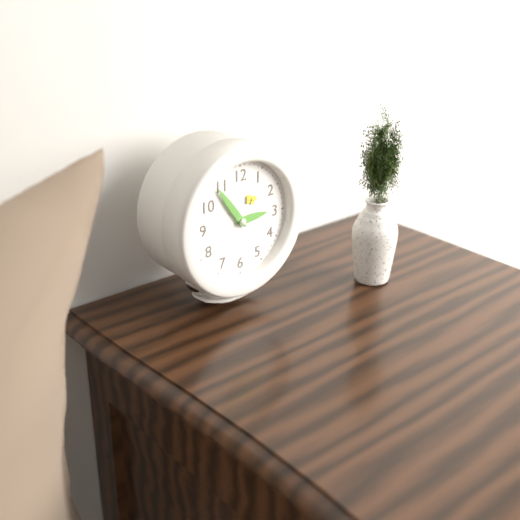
2:54
